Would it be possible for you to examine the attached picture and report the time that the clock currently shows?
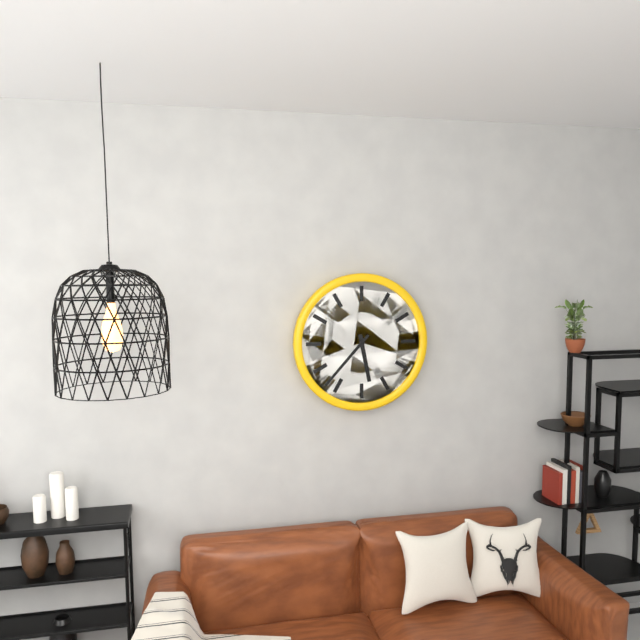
5:37
